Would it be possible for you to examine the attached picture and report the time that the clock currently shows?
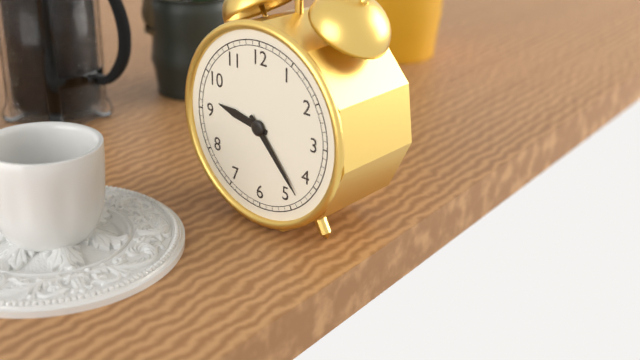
9:23
